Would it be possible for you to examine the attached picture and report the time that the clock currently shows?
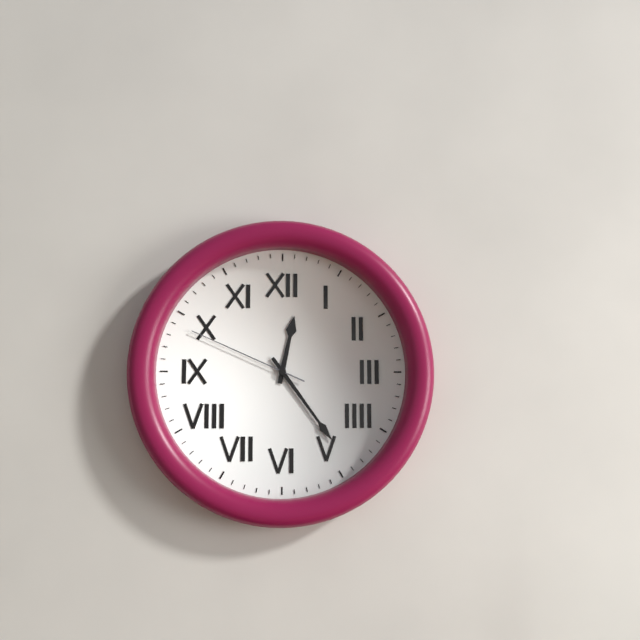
12:24:49
